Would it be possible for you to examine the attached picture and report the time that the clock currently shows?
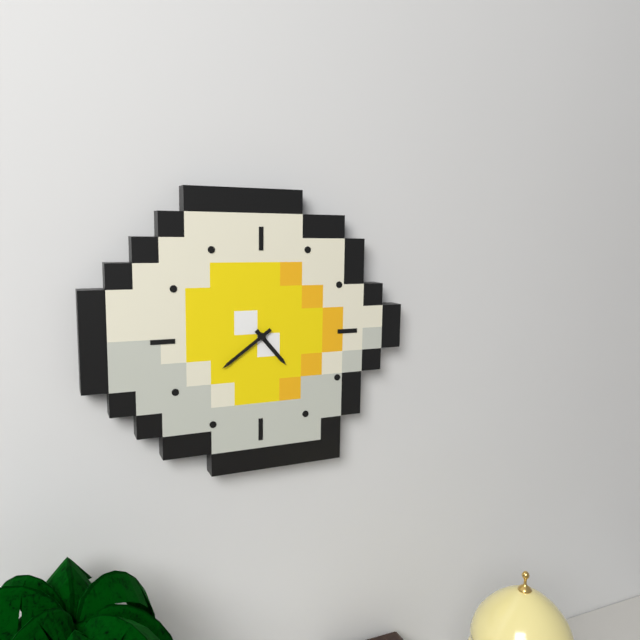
4:39
